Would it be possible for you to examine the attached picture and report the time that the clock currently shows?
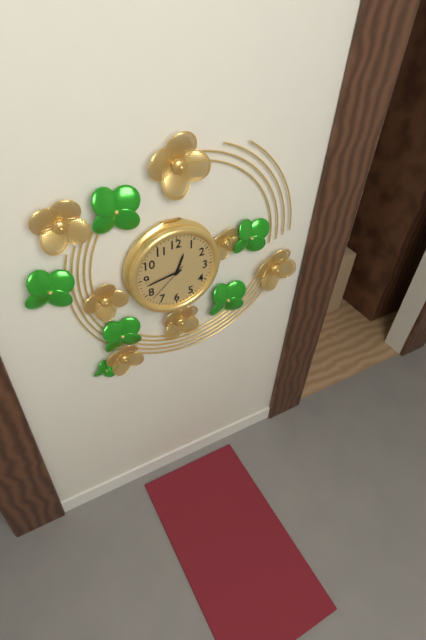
12:43
